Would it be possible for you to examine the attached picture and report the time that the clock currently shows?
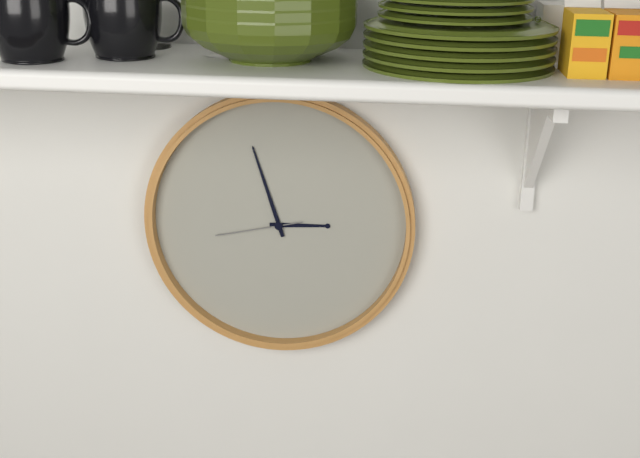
2:57:43
